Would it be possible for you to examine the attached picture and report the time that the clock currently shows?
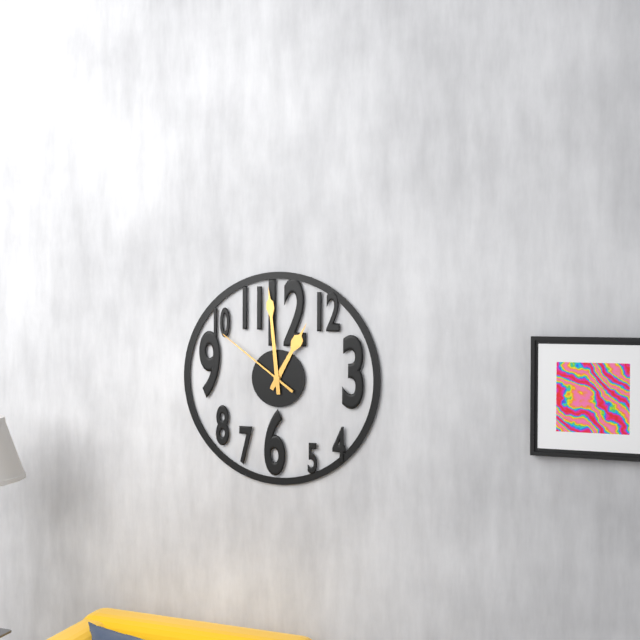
12:59:51
